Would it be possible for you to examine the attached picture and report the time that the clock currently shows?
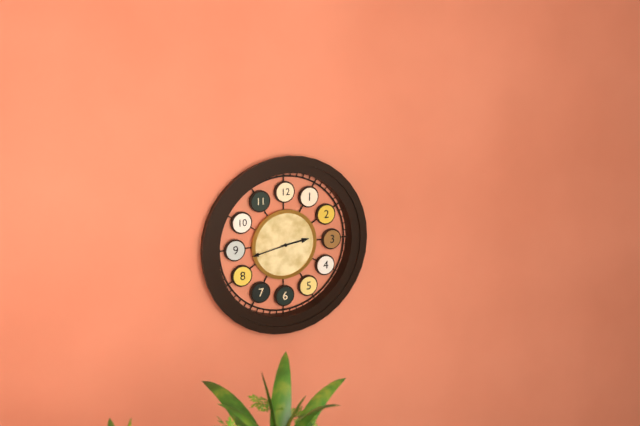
2:43
